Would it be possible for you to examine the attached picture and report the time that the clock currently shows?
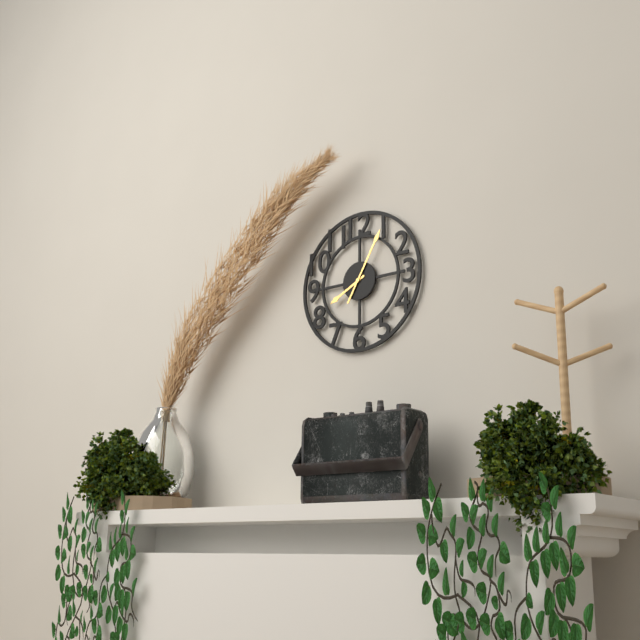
8:05
